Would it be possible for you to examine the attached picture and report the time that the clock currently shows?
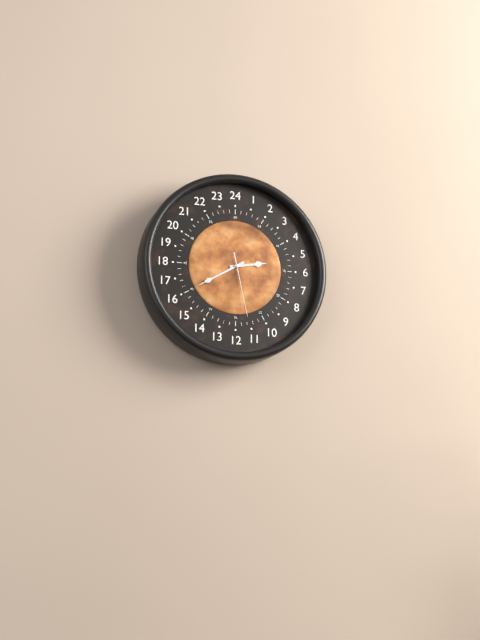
2:40:28
